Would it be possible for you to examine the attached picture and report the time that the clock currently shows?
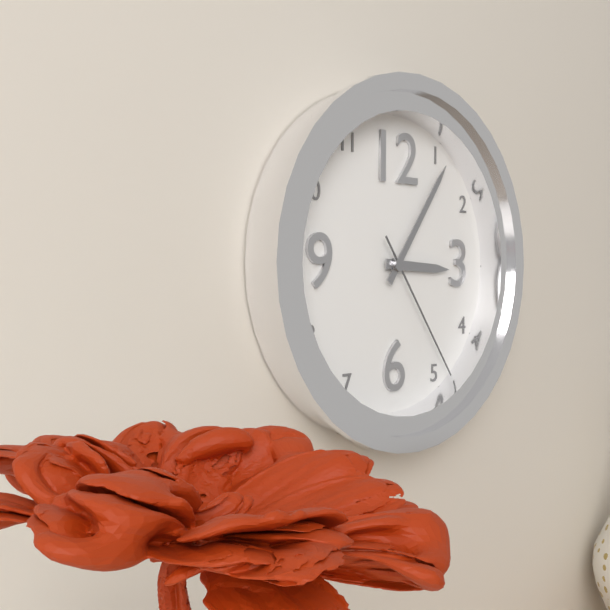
3:06:24
